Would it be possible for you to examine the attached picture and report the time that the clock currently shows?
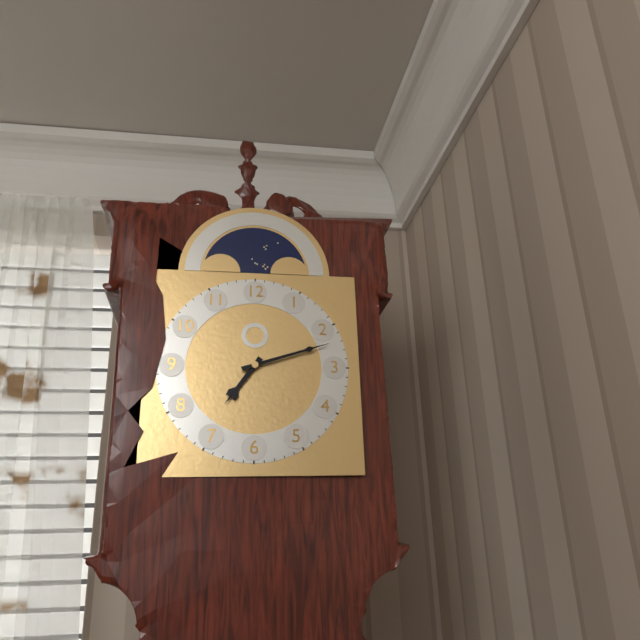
7:12
